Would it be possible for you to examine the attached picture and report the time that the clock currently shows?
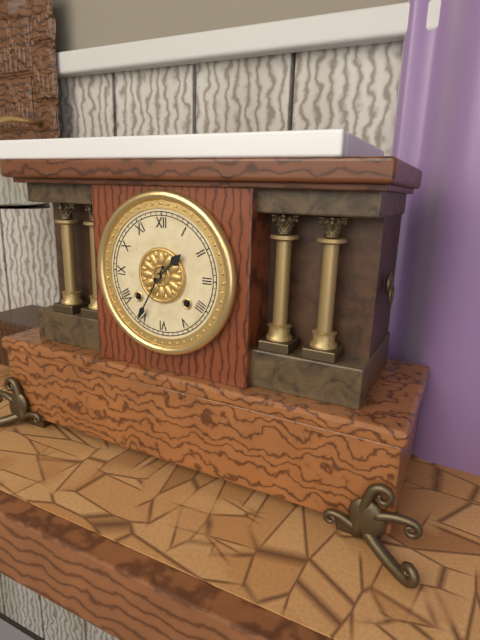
1:35
